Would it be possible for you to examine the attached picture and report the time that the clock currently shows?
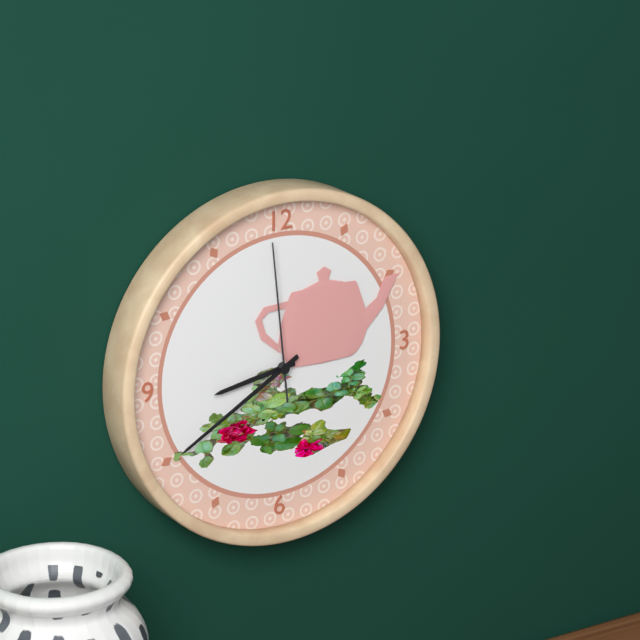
8:40:59
